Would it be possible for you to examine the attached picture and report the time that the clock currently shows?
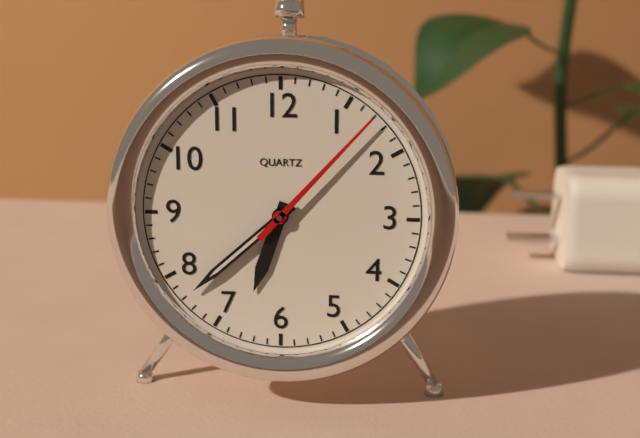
6:38:07
